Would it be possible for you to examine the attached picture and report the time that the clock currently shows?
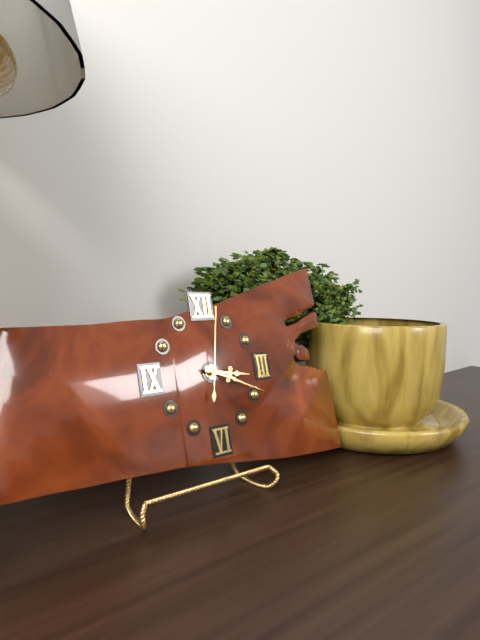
3:19:02
